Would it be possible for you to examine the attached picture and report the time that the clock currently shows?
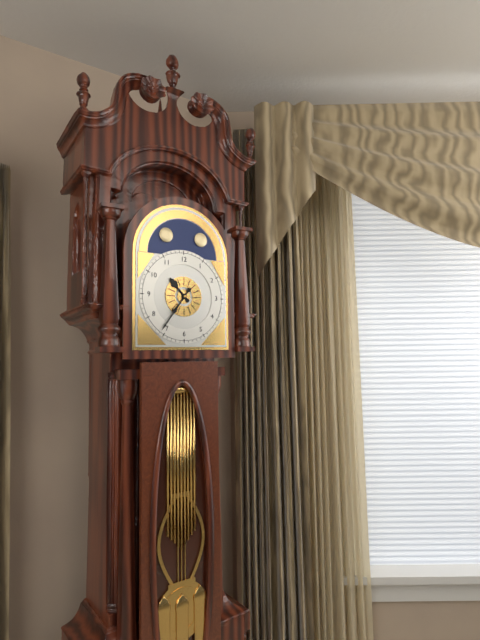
10:36
